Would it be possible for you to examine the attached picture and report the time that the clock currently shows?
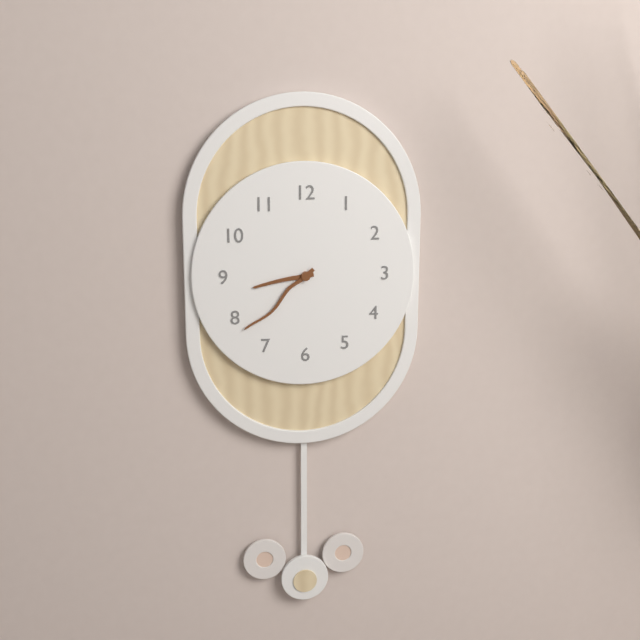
8:38
